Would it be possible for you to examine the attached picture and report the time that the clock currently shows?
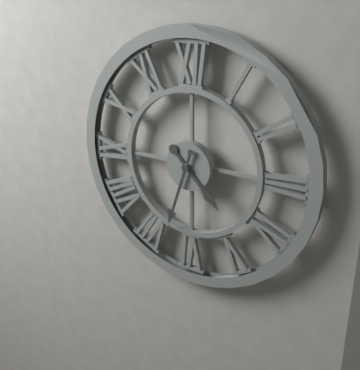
4:33
